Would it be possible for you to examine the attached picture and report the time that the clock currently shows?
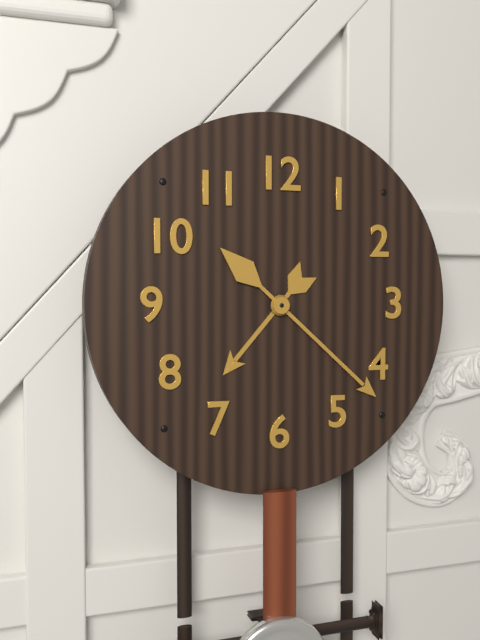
7:22
